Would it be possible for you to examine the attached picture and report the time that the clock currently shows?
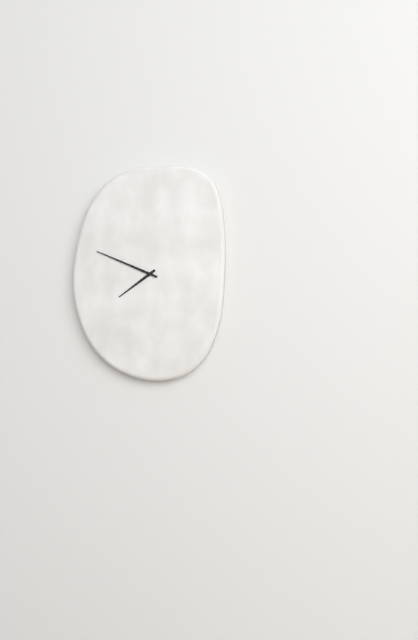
7:49
